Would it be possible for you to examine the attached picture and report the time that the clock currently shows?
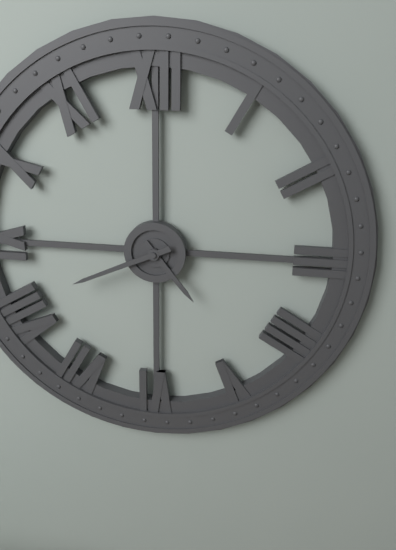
4:41
